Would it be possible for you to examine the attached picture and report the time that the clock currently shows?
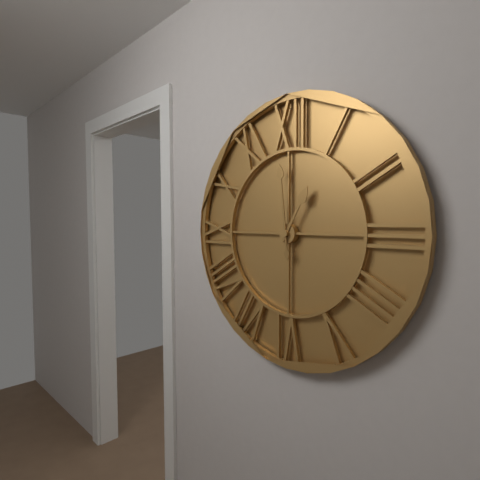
12:59
